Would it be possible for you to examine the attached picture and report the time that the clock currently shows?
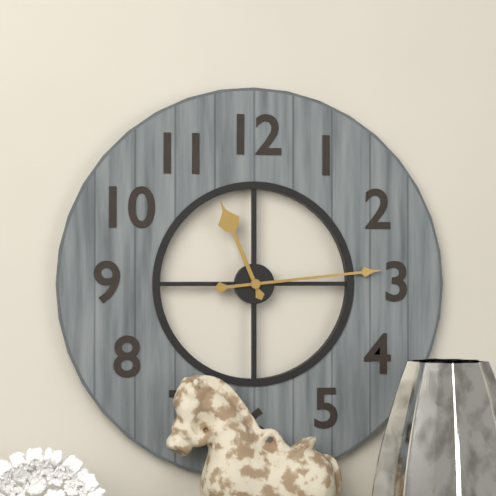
11:14
